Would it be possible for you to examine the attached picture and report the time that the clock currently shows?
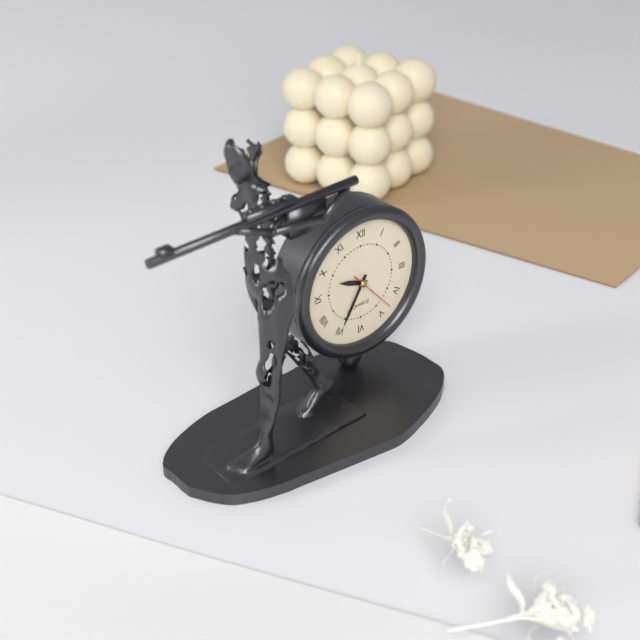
9:35
